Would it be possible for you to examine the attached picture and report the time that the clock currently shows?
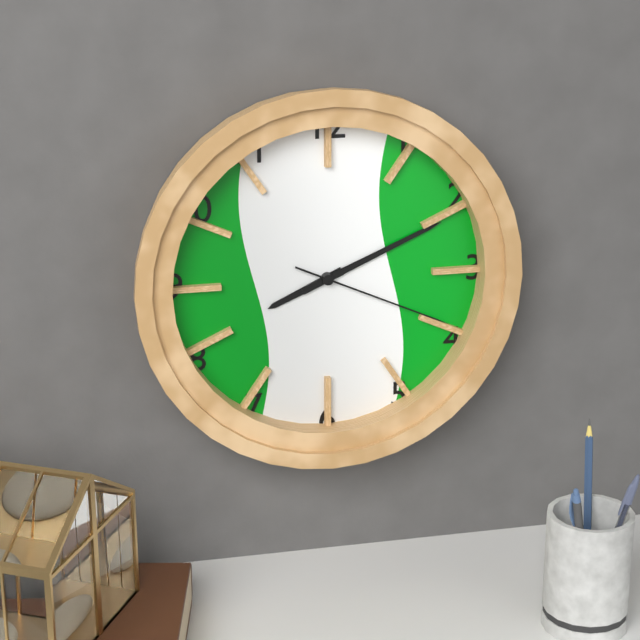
8:11:19
